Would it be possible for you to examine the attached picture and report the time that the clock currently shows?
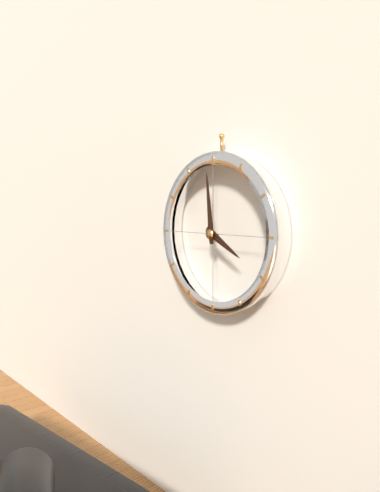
3:59
